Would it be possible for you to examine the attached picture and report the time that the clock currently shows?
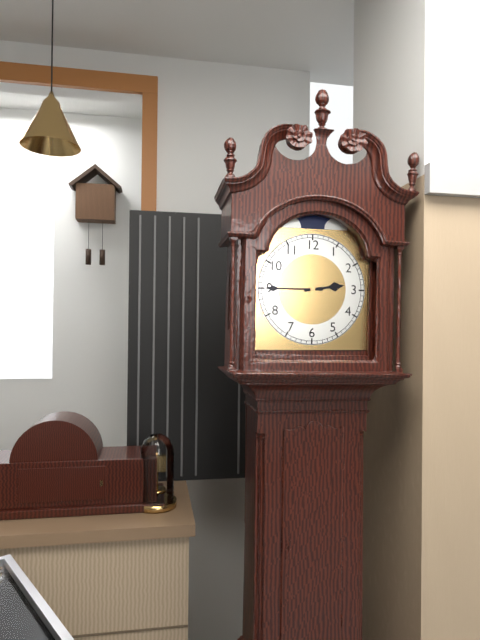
2:45
